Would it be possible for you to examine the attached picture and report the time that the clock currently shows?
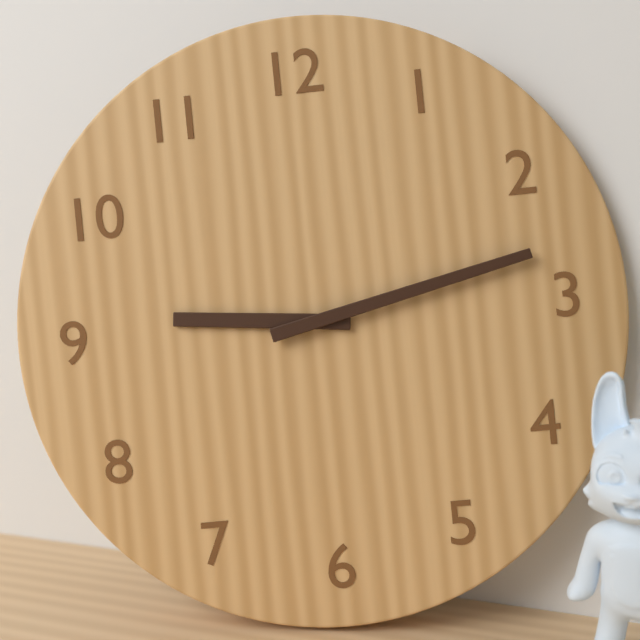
9:13
